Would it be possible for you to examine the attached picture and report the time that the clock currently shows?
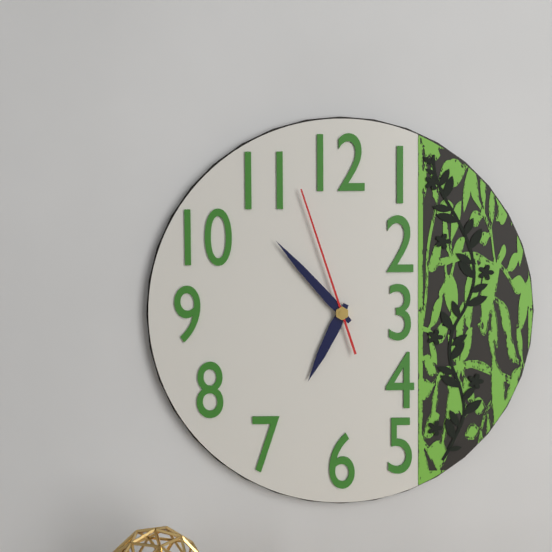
6:53:57
